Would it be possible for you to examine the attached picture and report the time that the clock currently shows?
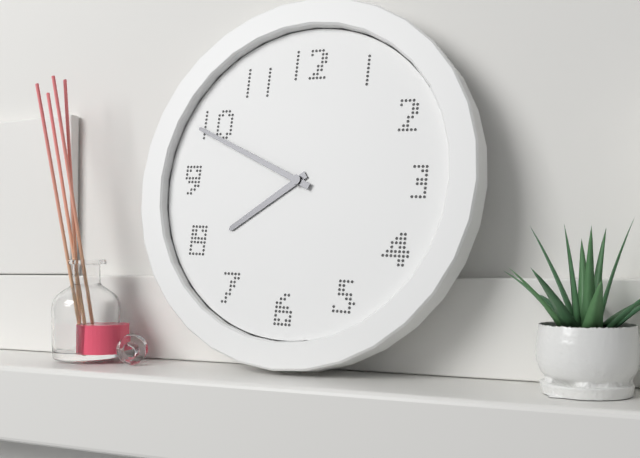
7:49
